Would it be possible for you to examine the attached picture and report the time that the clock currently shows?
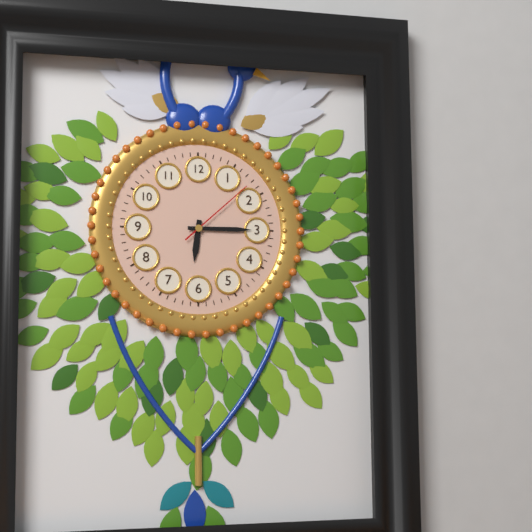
6:15:08
